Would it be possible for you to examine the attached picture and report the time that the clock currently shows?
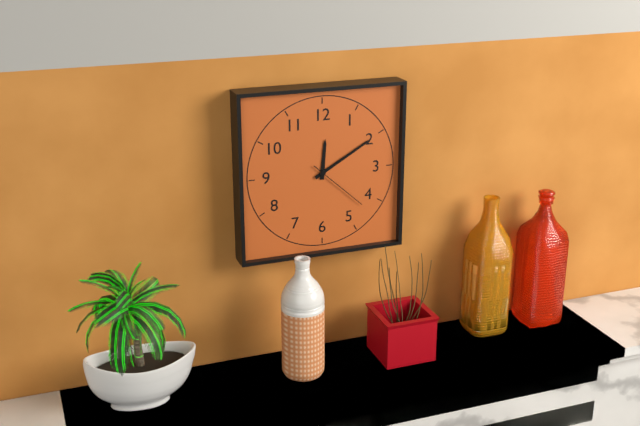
12:10:22
